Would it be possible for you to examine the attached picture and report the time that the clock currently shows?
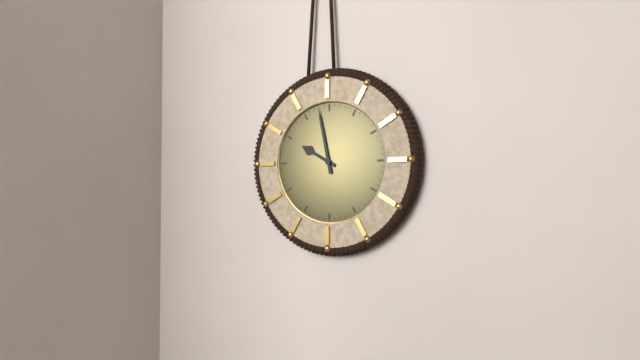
9:58
